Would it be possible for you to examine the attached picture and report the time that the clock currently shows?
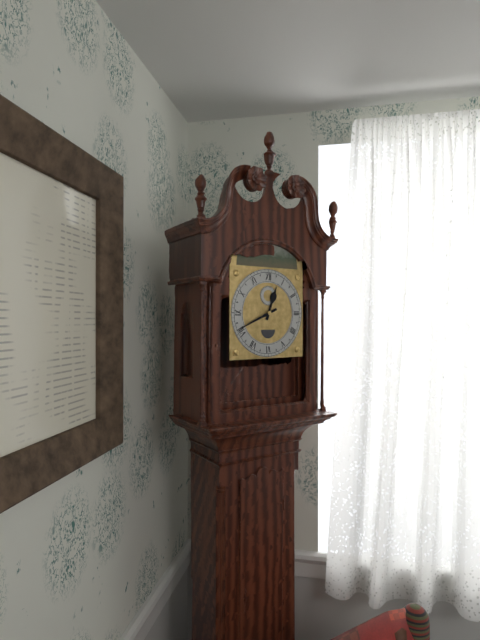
12:41
